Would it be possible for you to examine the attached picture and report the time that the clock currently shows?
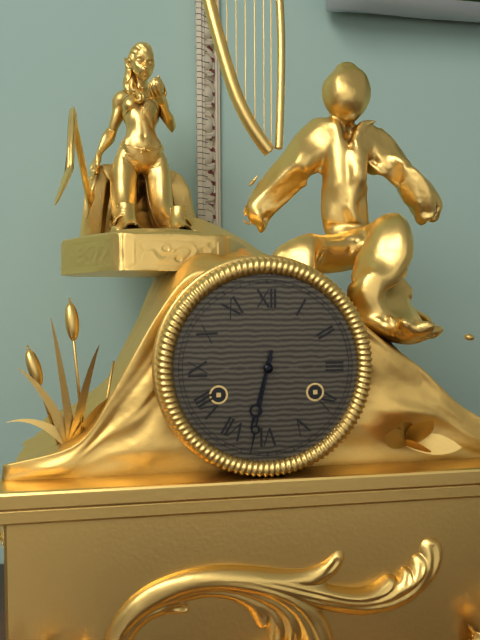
6:32
